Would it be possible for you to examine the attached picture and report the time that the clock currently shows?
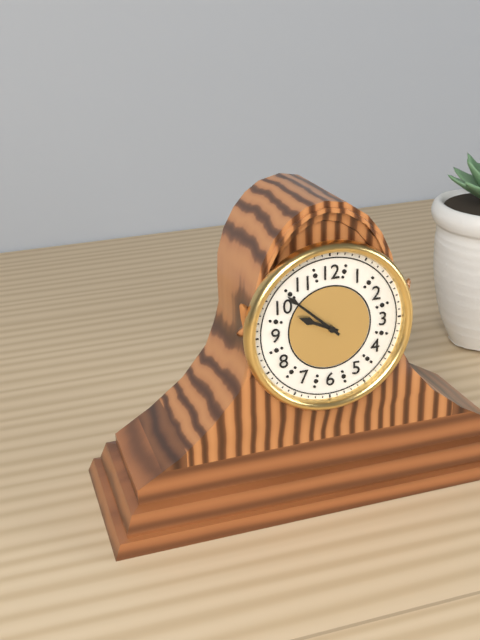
9:52
